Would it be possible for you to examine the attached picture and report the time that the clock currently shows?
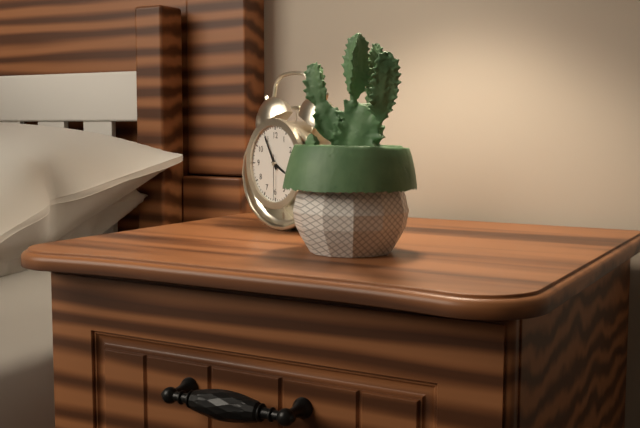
3:55
